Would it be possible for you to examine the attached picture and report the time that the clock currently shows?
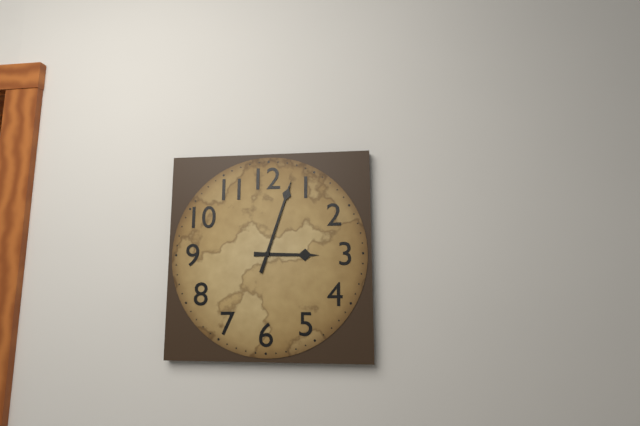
3:03
